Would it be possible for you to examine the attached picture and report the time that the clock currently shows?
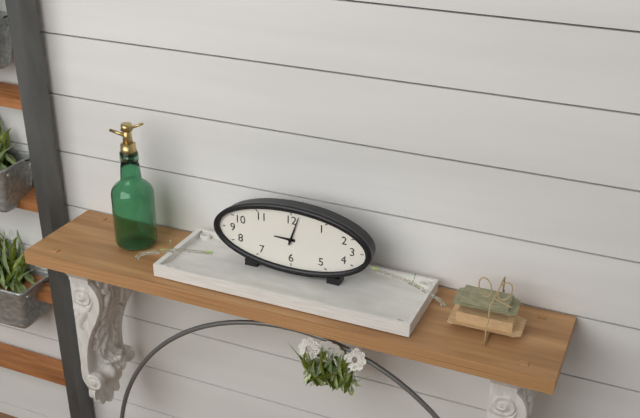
9:03
